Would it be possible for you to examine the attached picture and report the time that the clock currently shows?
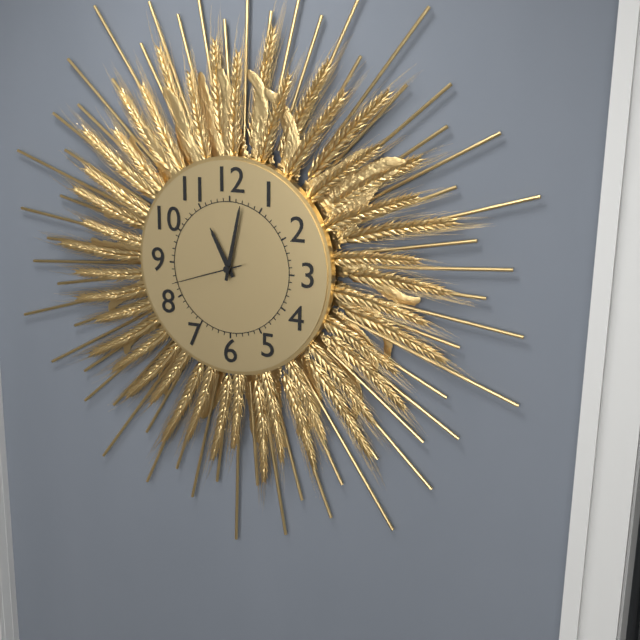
11:02:42
